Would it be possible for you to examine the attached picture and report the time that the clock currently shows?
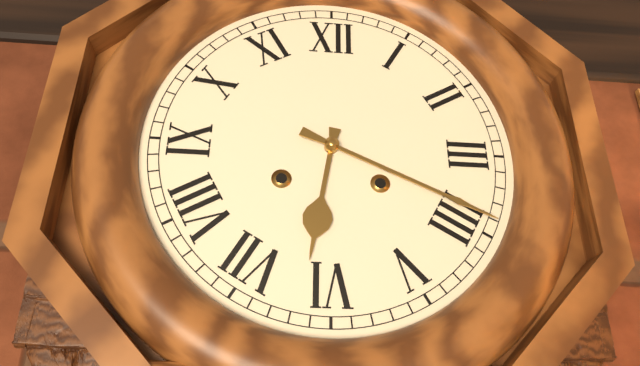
6:19
